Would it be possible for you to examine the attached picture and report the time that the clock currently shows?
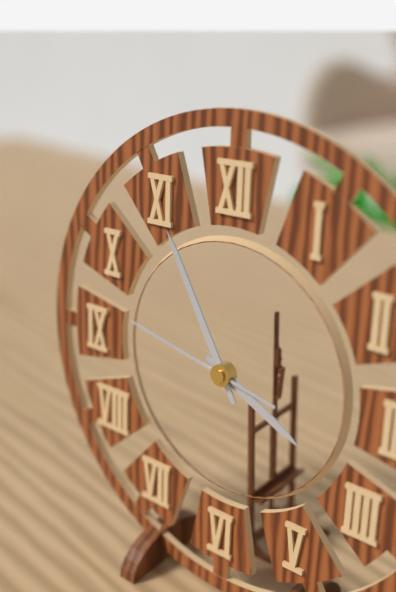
3:55:47
